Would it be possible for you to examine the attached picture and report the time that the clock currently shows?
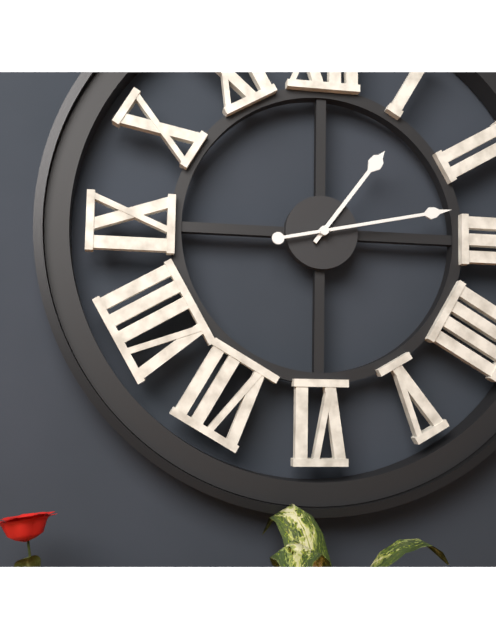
1:13
